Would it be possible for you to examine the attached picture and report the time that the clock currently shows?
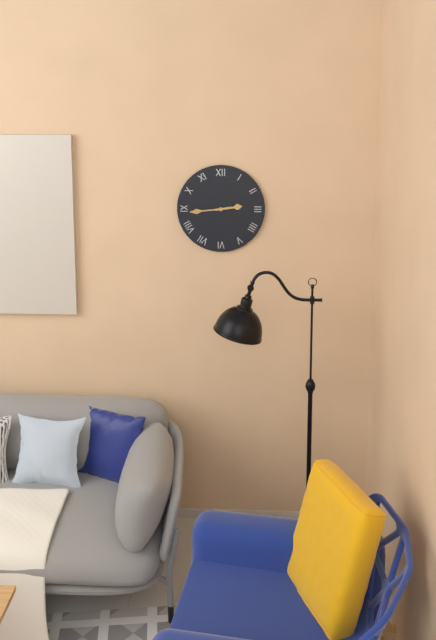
2:44
